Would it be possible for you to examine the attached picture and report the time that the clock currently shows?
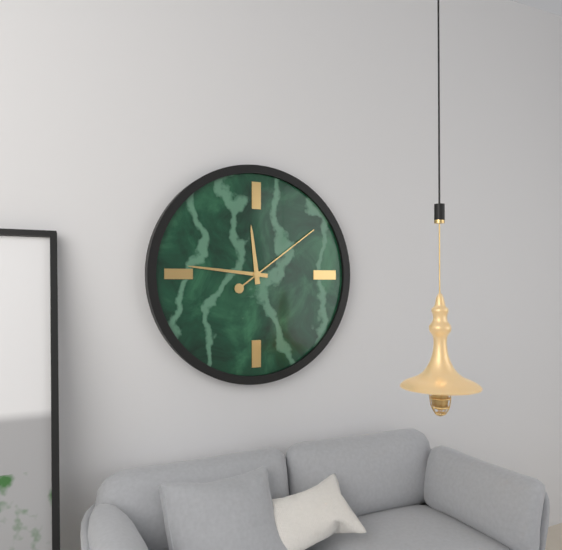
11:46:09
